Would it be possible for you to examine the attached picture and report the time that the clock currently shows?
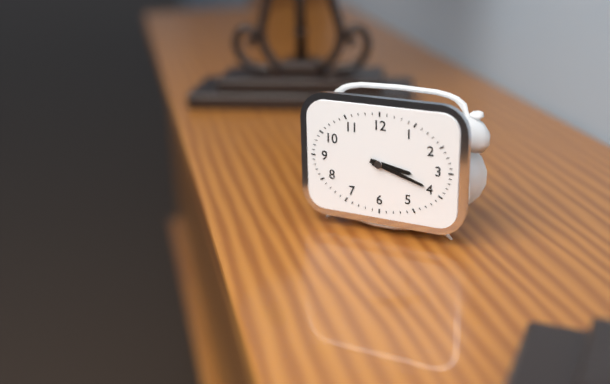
3:18
